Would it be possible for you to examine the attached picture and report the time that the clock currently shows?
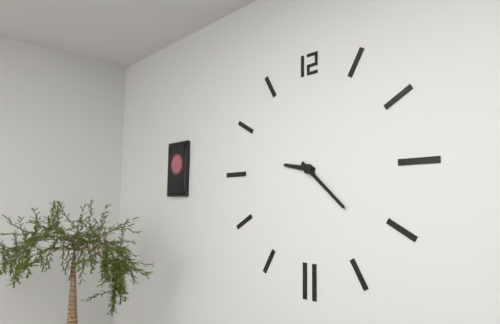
9:22
